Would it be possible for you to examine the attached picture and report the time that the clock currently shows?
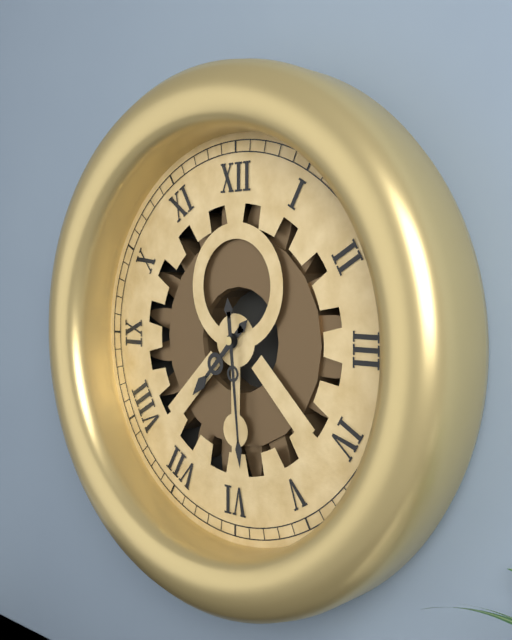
7:29
